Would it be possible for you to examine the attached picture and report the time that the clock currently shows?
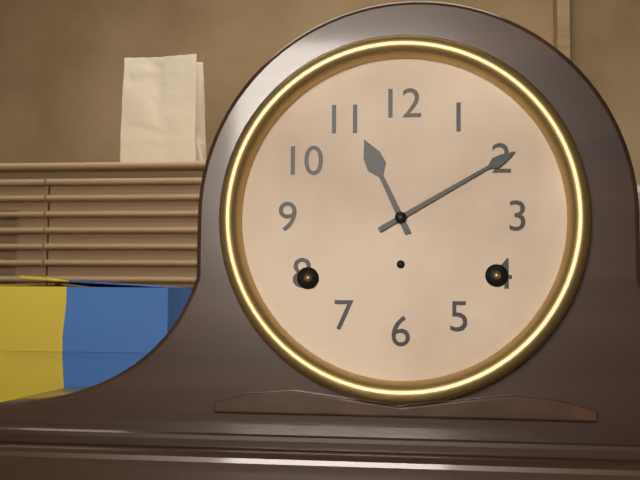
11:10
